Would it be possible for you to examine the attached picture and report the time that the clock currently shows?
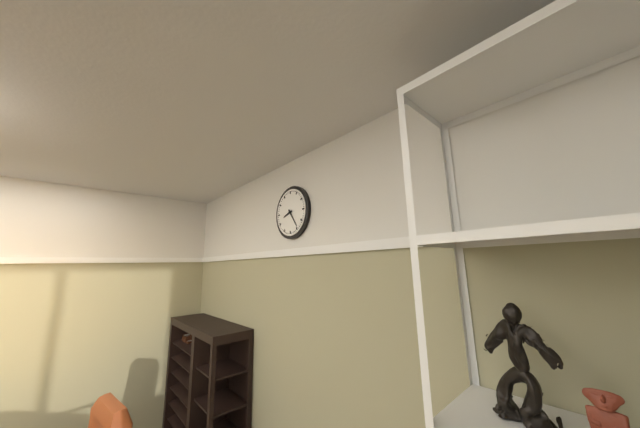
8:24
